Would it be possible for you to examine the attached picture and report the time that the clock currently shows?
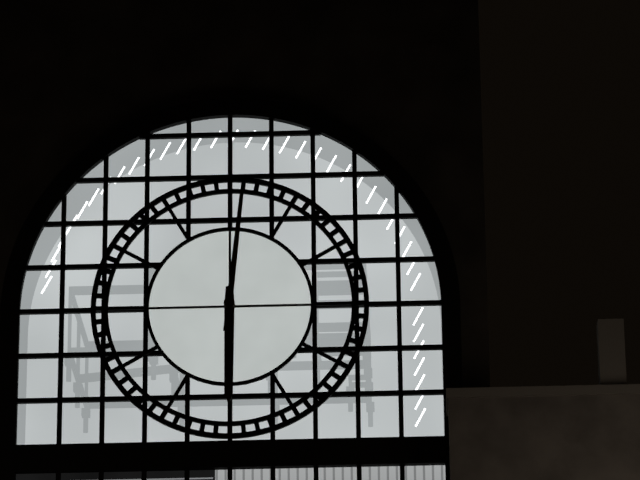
6:01
